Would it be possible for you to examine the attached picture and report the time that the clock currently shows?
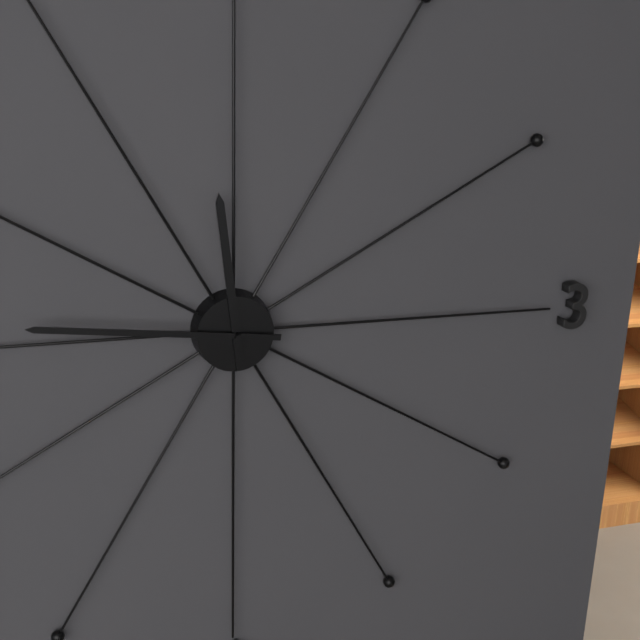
11:46
